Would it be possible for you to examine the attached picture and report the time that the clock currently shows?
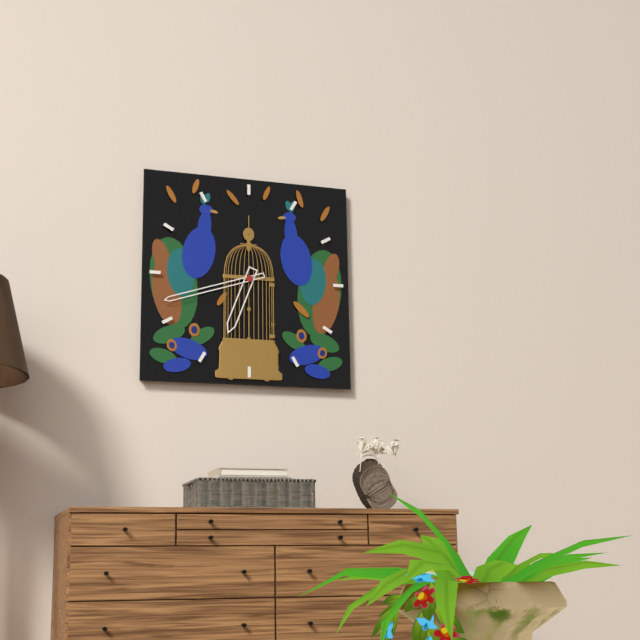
6:42
